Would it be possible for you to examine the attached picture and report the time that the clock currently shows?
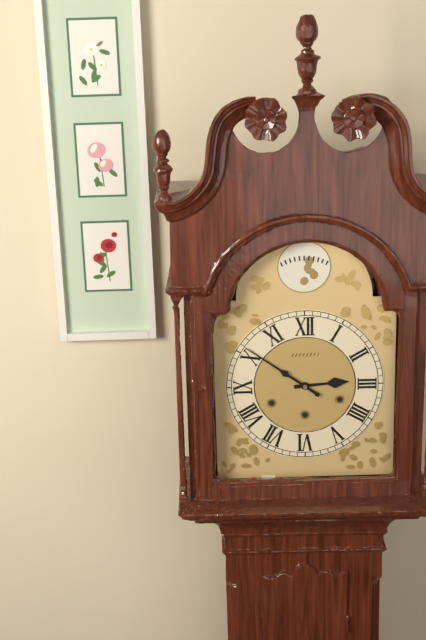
2:51
